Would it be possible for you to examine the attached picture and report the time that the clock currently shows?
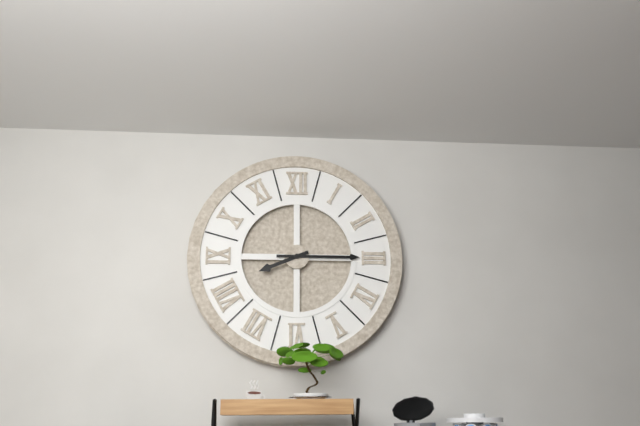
8:15
